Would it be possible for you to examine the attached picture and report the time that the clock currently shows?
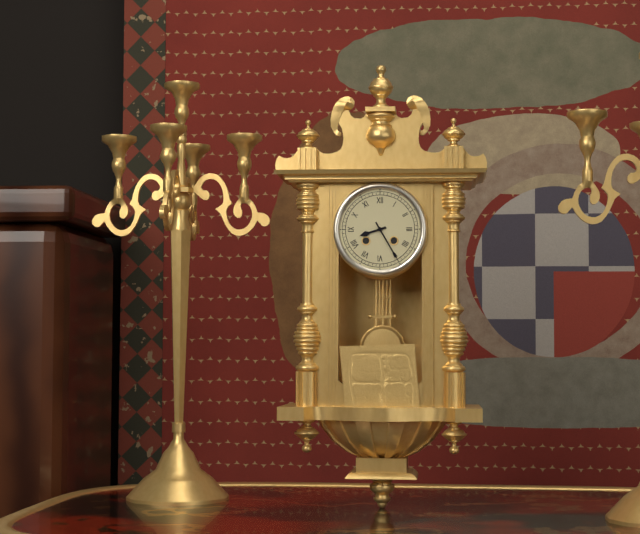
8:25
